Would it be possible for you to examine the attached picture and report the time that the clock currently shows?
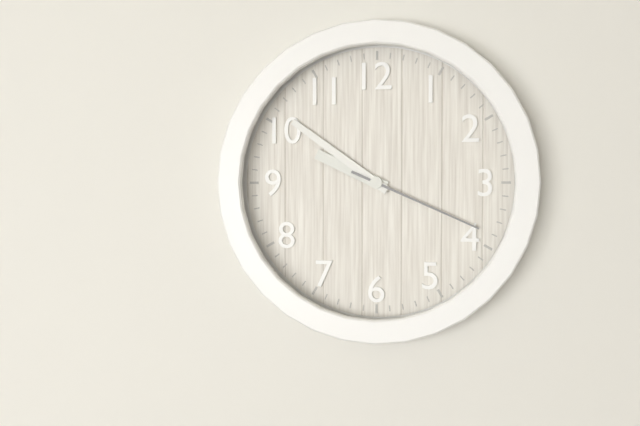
9:51:19
